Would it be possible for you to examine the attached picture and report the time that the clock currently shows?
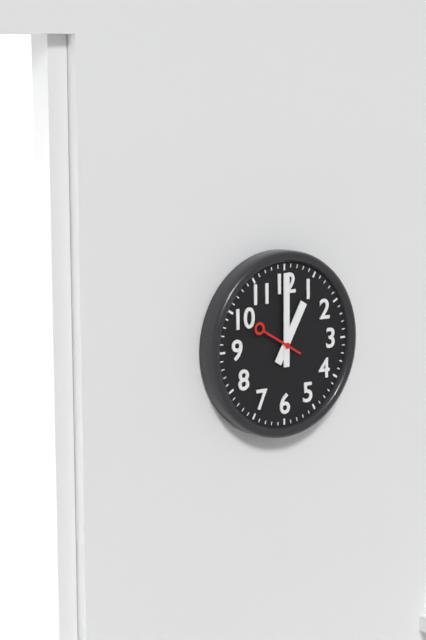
1:00
